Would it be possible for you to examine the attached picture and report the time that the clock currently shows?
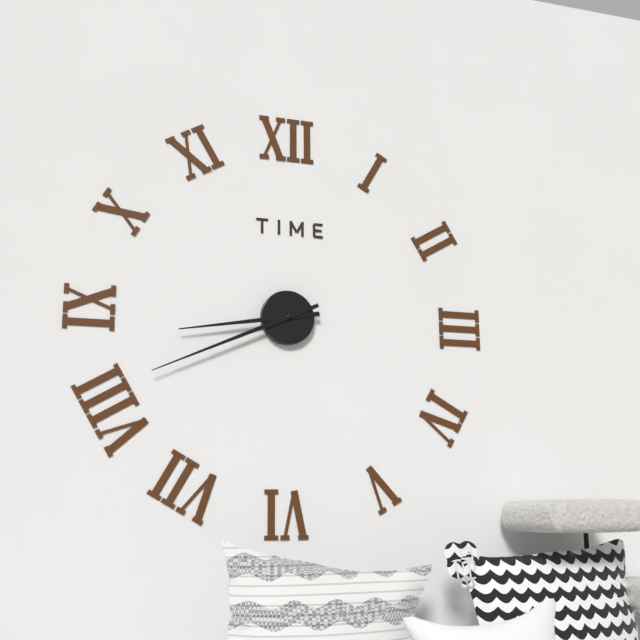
8:41
